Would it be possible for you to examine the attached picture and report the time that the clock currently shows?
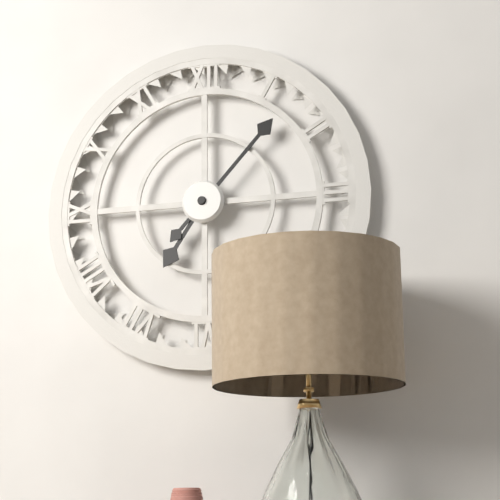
7:07
